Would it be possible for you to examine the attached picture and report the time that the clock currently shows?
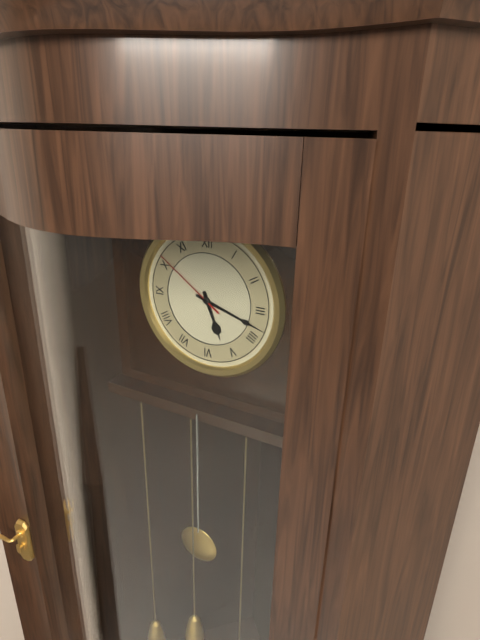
5:18:51
